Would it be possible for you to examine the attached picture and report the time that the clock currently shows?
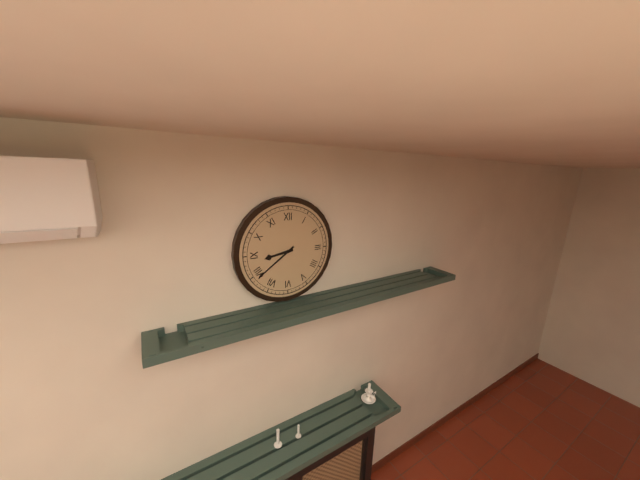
8:39
